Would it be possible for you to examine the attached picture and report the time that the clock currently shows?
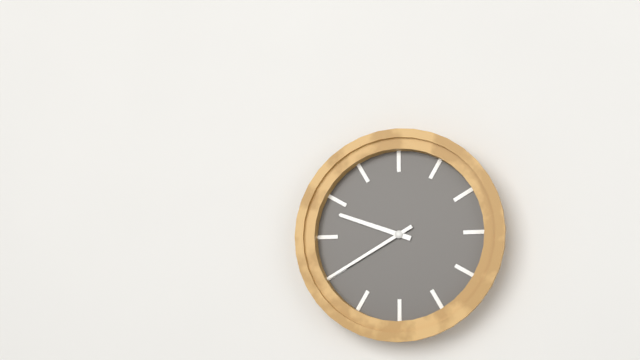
9:40
